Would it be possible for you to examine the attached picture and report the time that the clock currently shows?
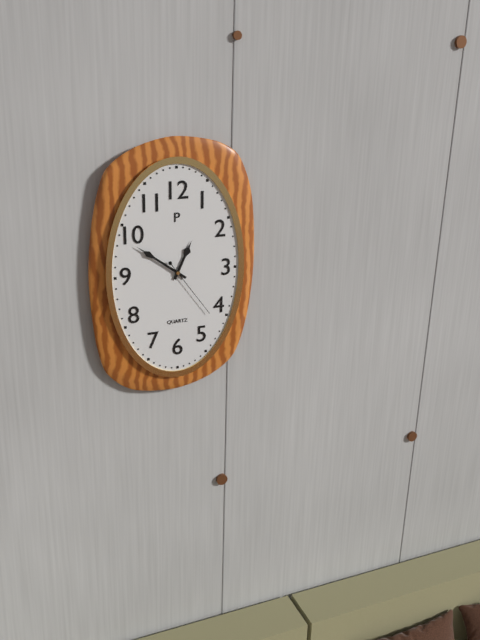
12:51:24
